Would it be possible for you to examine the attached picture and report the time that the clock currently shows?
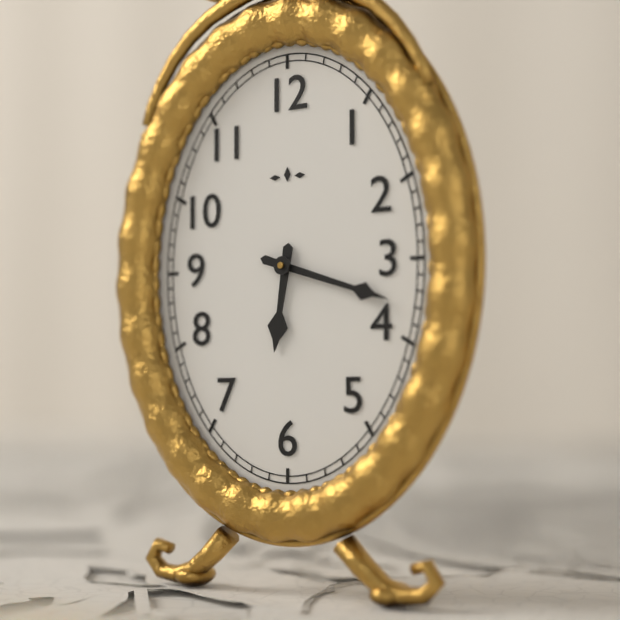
6:18
